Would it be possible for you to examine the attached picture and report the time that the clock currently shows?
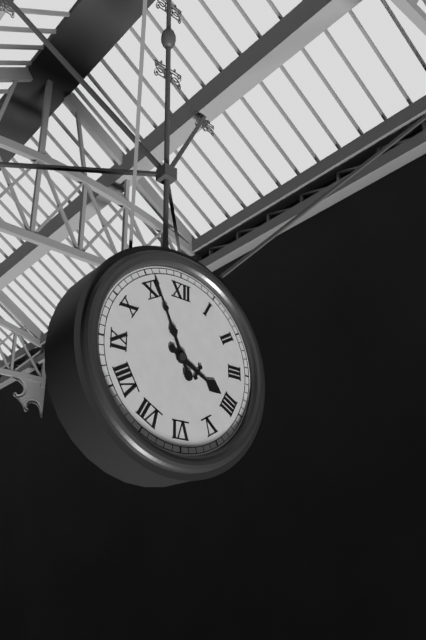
3:56
